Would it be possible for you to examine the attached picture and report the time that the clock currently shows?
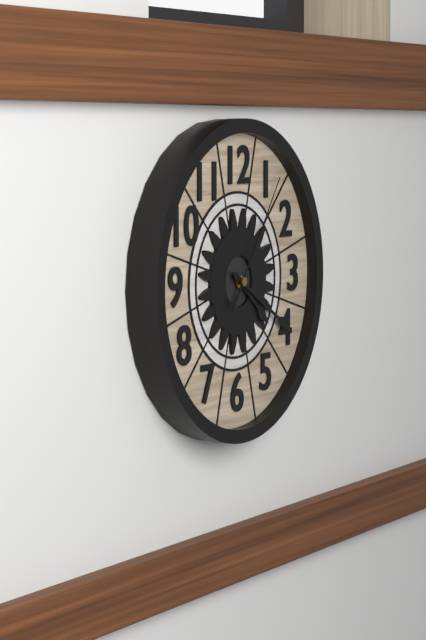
4:20:06
